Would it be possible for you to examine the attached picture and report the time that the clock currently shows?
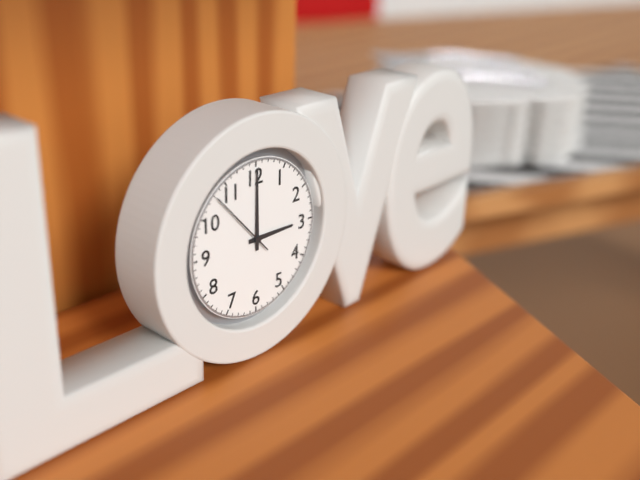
3:00:53
